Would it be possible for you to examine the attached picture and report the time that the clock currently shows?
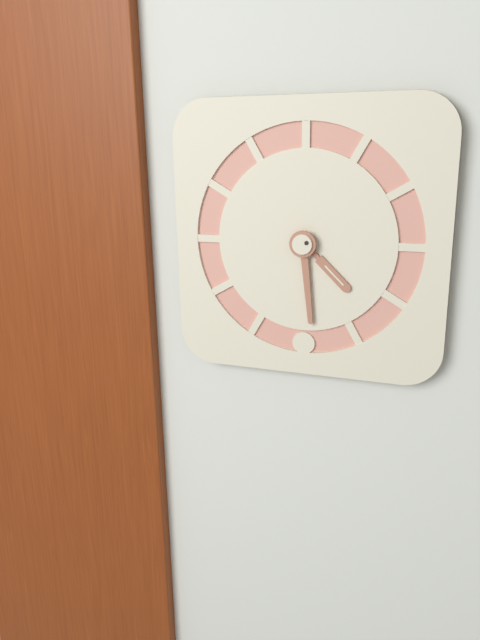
4:29
